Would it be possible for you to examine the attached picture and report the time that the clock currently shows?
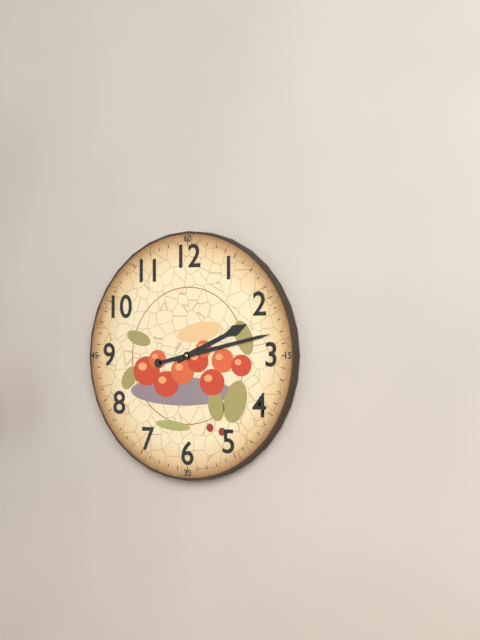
2:13
